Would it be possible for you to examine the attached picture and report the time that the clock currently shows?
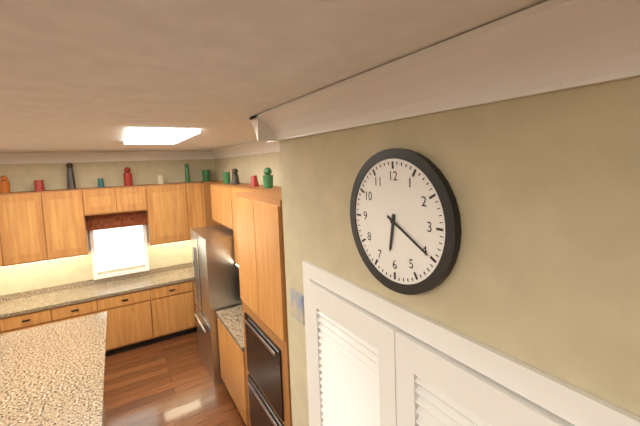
6:20
